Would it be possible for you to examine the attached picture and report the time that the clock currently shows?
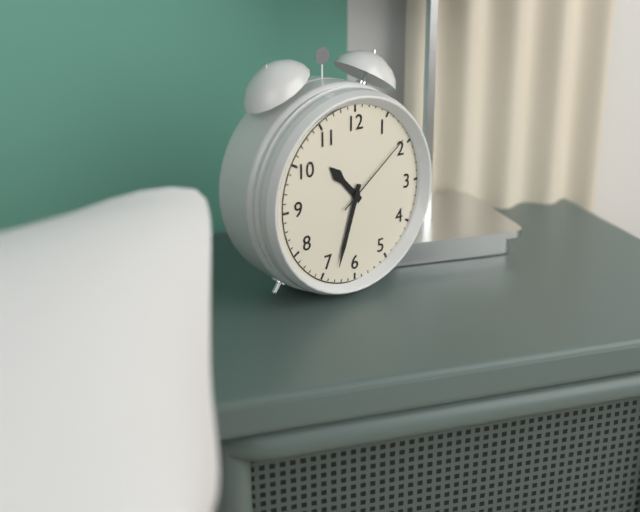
10:33:09
